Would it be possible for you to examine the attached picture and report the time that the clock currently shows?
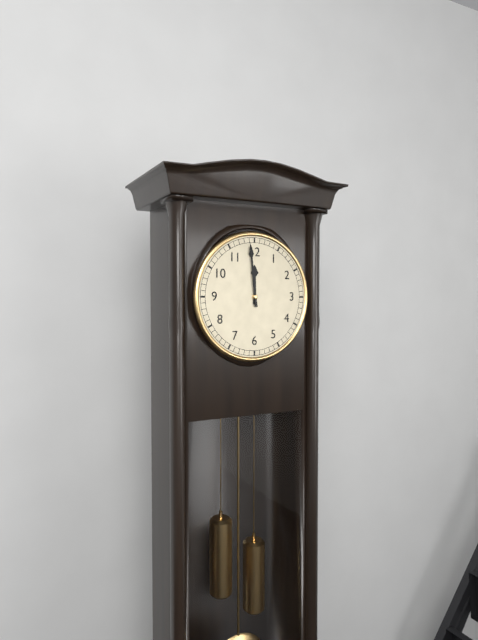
11:59
